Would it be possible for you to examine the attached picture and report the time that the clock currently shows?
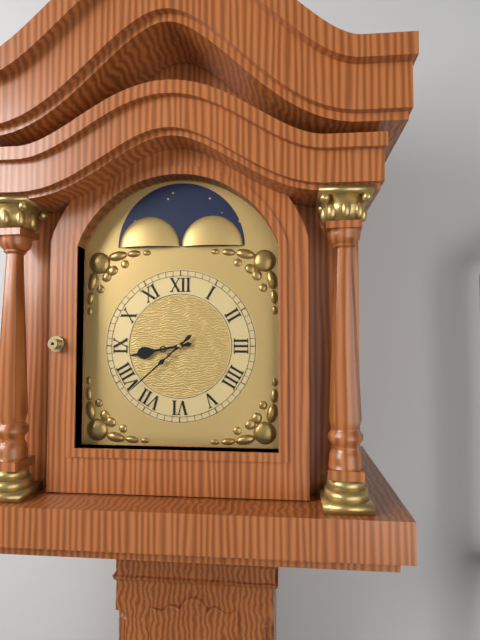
8:38
